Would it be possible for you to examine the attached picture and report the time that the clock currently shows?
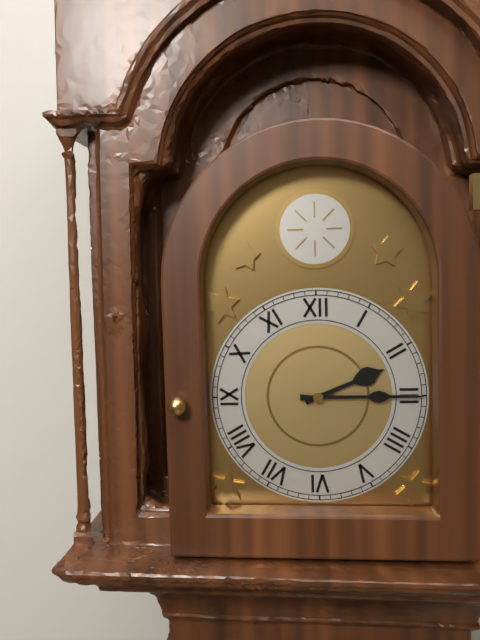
2:15
